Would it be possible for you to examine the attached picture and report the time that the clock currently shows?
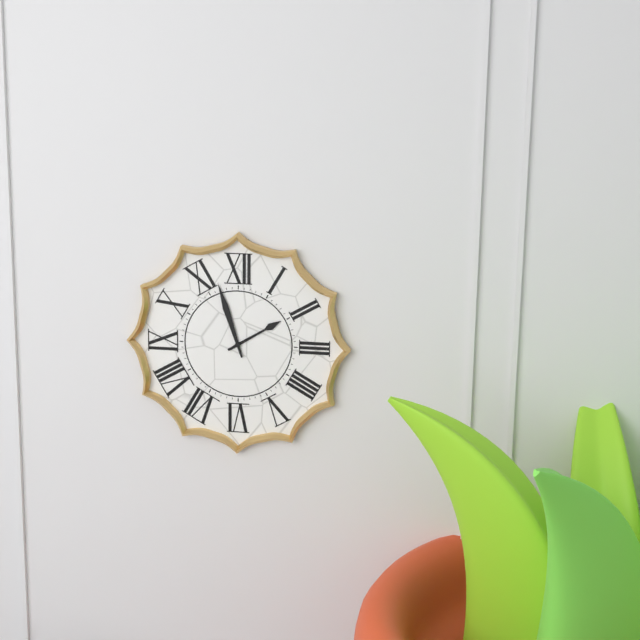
1:57
